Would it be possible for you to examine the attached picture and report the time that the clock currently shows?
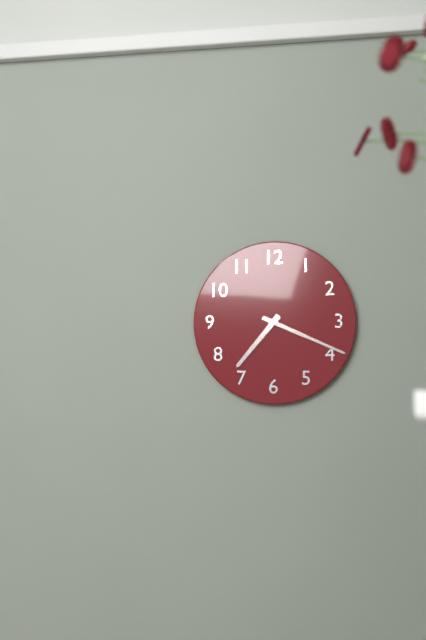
7:19
